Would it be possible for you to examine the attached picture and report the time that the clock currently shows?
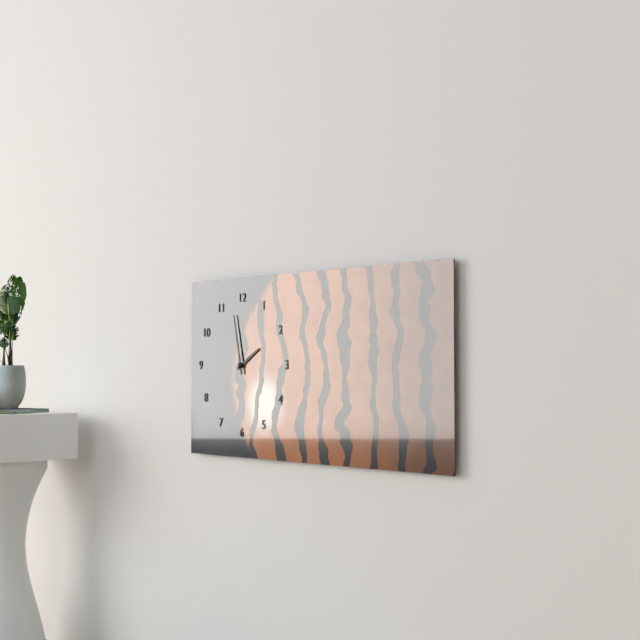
1:58
